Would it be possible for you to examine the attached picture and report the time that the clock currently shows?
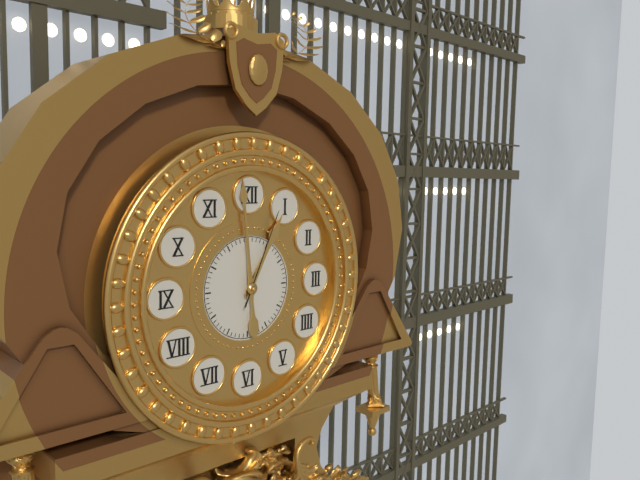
12:59:04
